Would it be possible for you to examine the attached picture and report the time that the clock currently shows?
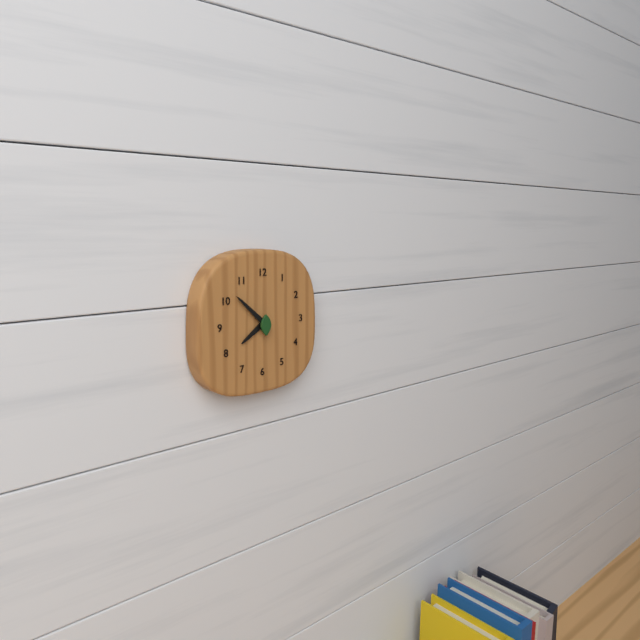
7:52
